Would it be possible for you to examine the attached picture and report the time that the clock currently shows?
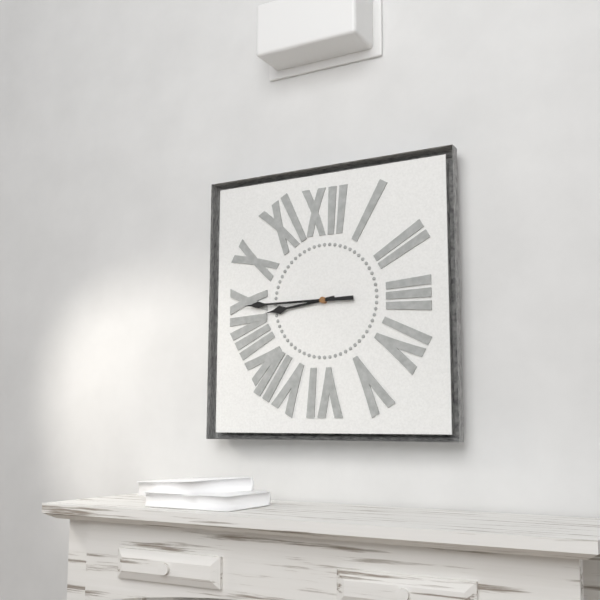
8:45
